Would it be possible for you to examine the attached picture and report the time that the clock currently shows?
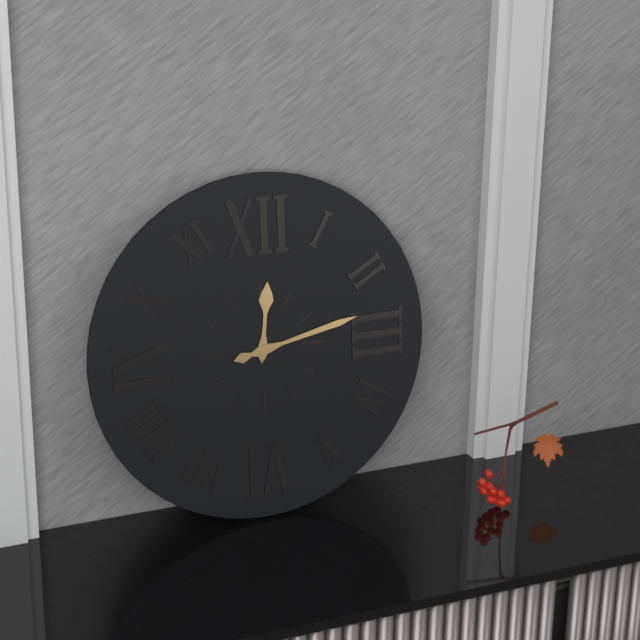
12:13
